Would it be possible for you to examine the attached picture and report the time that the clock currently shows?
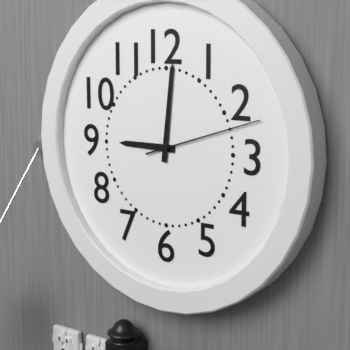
9:01:12
